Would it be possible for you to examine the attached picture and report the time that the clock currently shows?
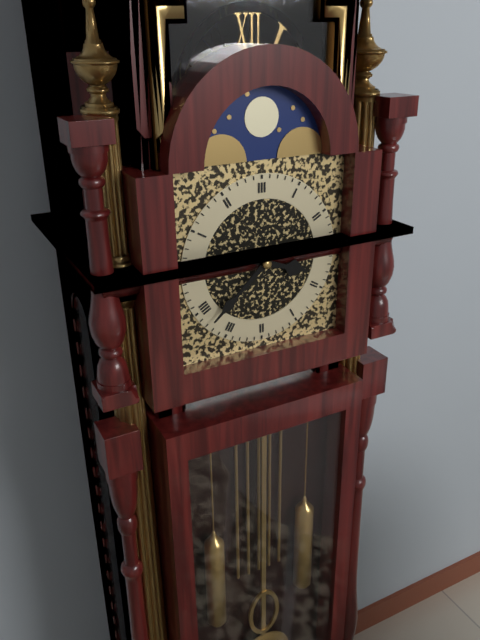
3:38
